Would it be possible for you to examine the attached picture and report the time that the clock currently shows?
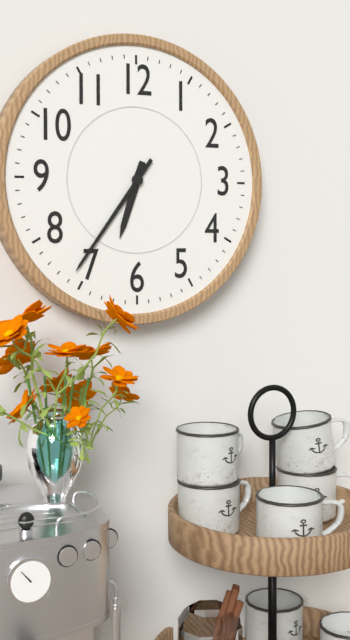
6:36
